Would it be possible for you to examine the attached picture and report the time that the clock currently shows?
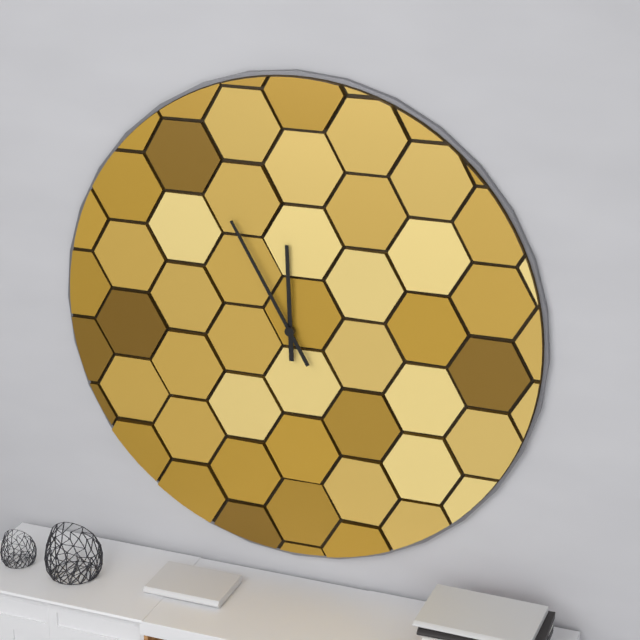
11:55
